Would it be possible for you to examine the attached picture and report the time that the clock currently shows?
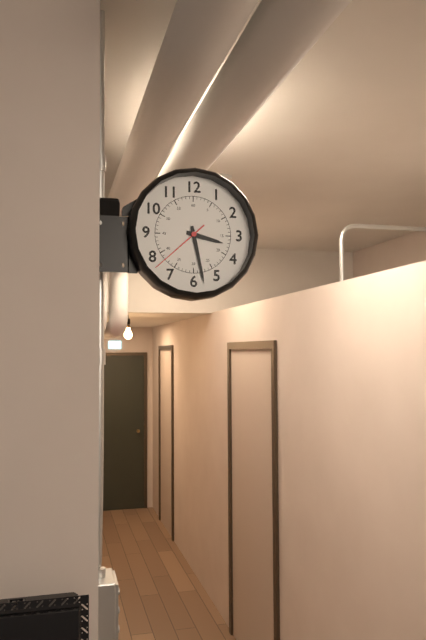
3:28:38
